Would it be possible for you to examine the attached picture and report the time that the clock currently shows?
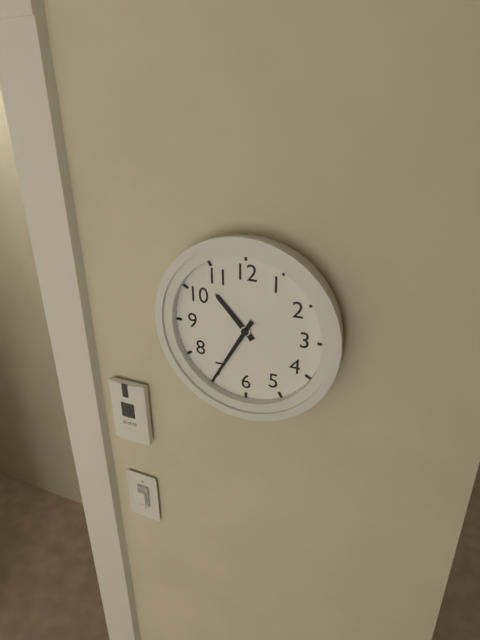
10:35
